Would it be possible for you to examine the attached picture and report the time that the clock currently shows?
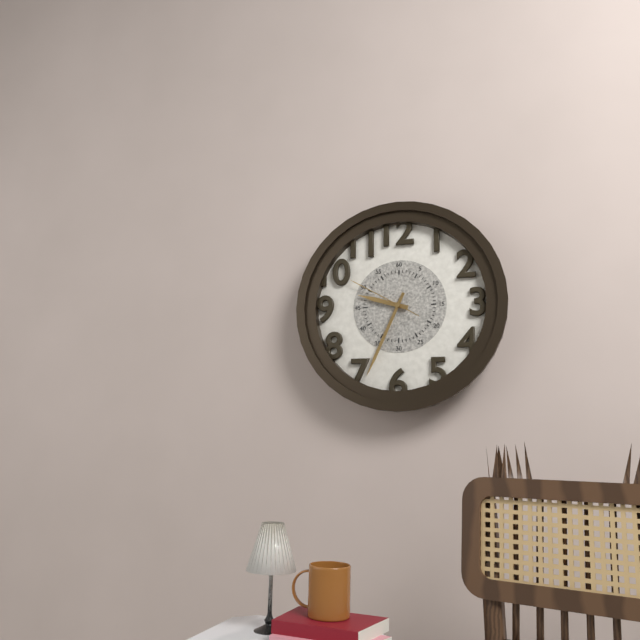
9:34:50
